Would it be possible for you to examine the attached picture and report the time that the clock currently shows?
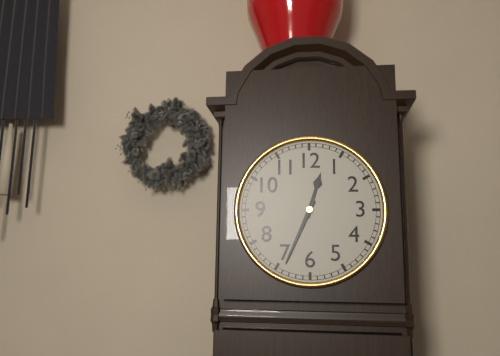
12:34
